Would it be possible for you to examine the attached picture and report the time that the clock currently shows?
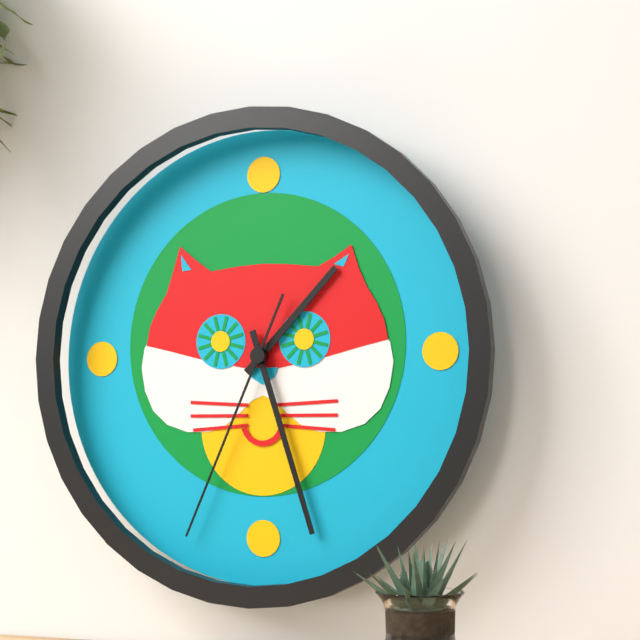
1:27:34
